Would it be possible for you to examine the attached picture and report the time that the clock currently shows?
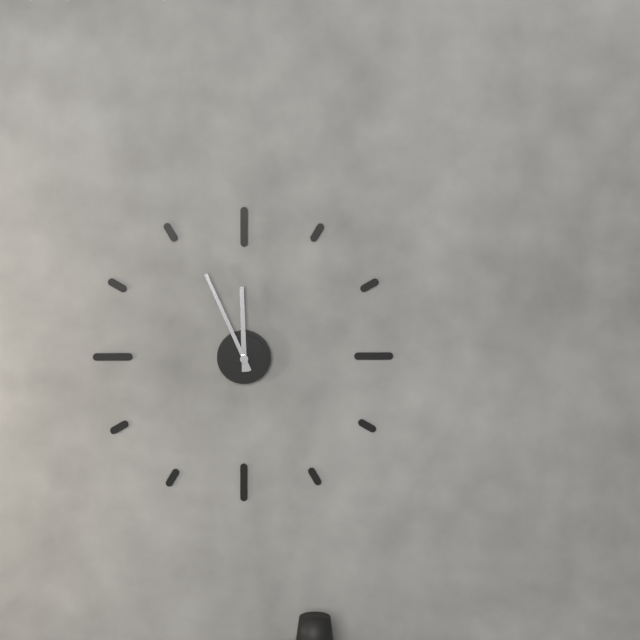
11:56
